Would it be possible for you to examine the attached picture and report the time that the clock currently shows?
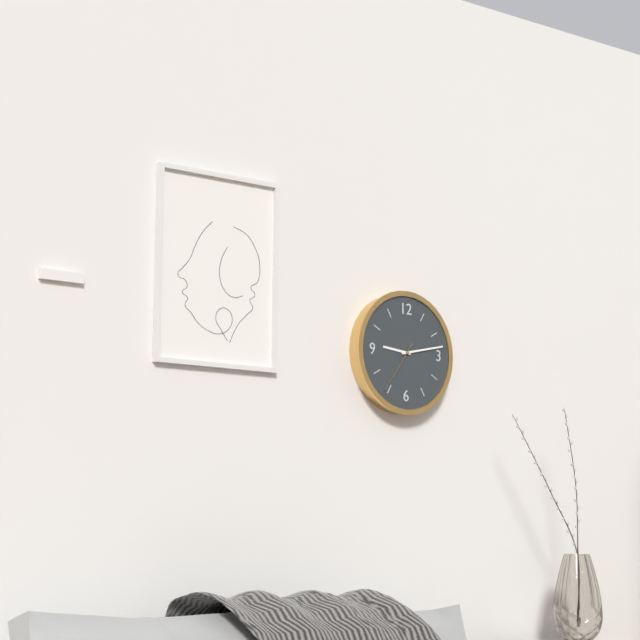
9:13:36
